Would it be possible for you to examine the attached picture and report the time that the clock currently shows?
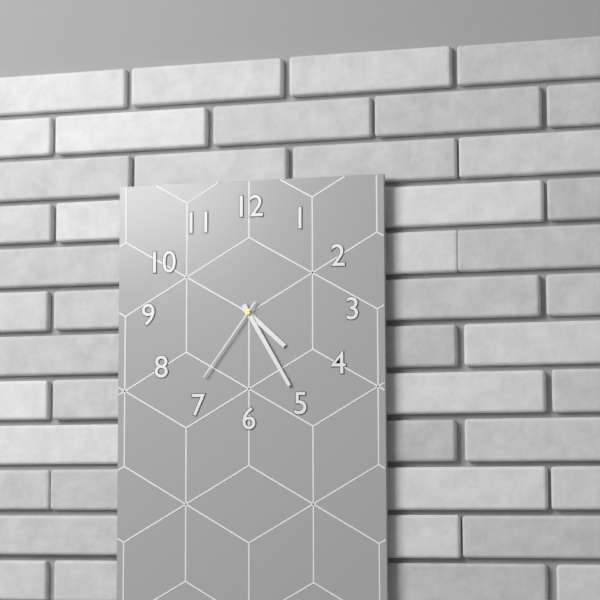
4:25:36
